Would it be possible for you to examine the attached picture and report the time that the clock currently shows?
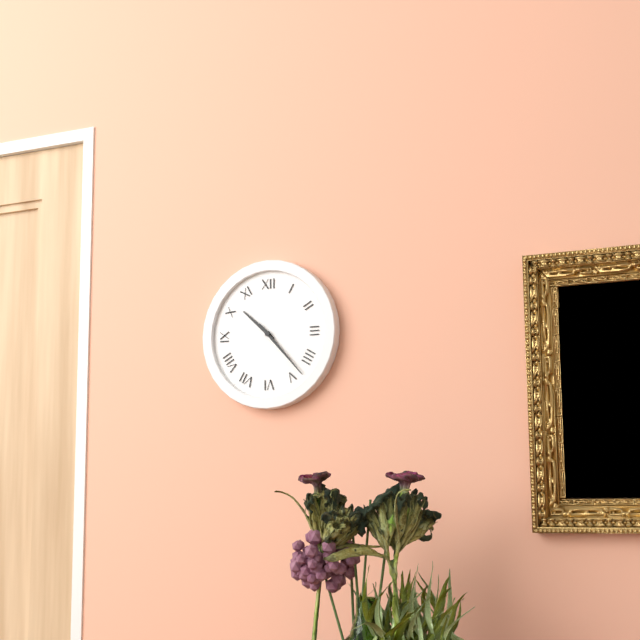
10:23
